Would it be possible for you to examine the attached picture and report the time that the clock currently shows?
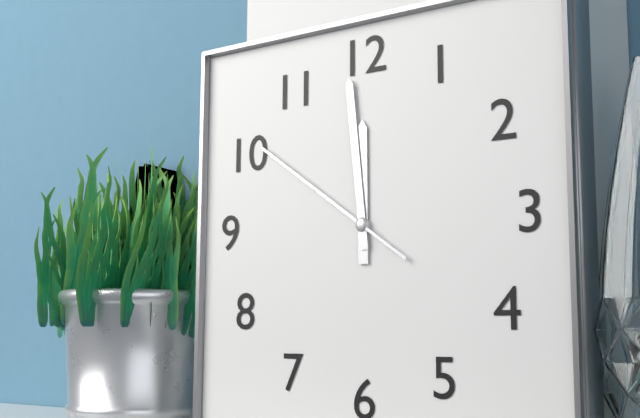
11:59:51
